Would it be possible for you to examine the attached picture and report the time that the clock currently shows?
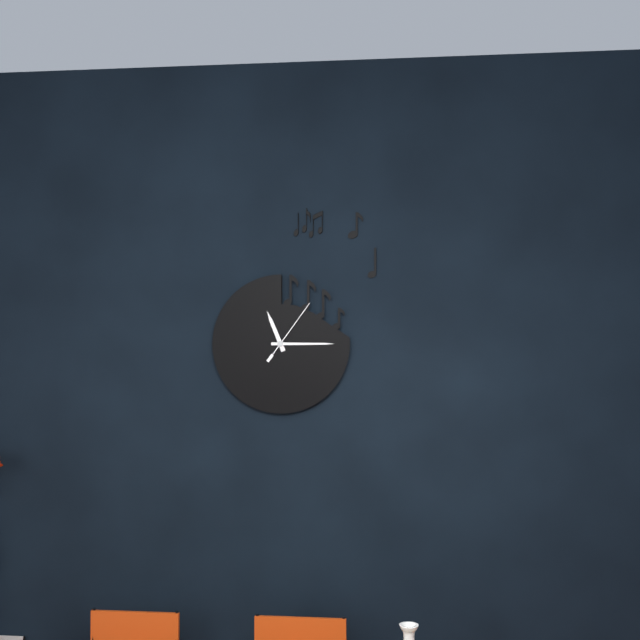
11:15:06
